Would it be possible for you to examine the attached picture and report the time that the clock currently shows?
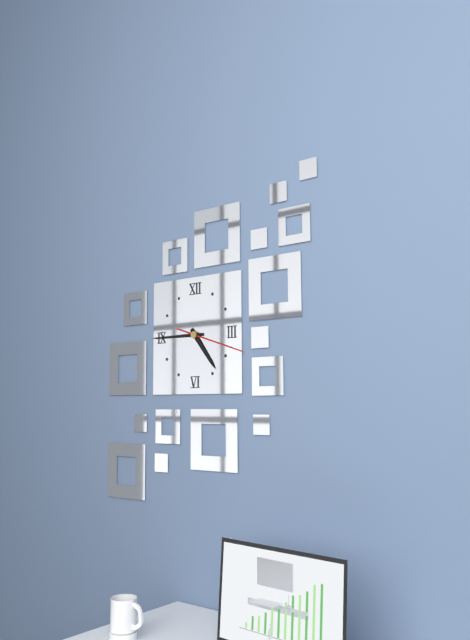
4:45:18
